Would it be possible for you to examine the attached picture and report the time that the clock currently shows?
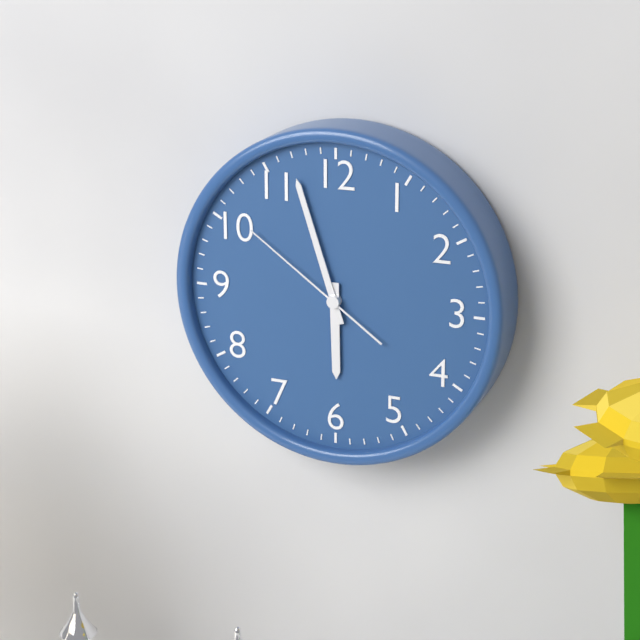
5:57:51
